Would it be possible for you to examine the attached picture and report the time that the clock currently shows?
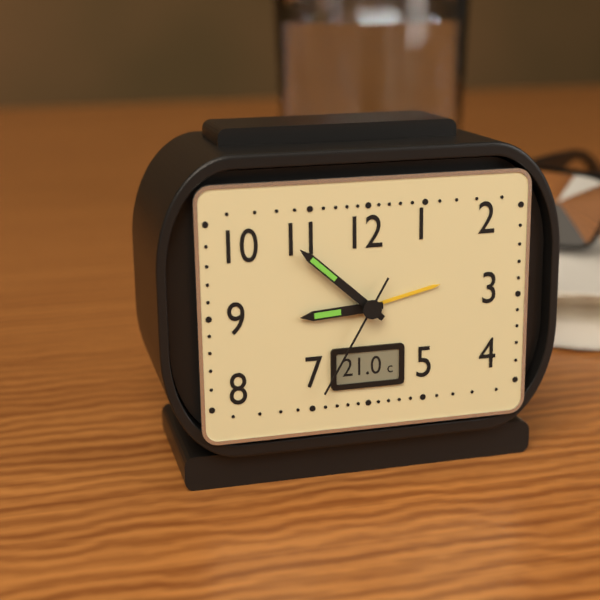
8:52:35
